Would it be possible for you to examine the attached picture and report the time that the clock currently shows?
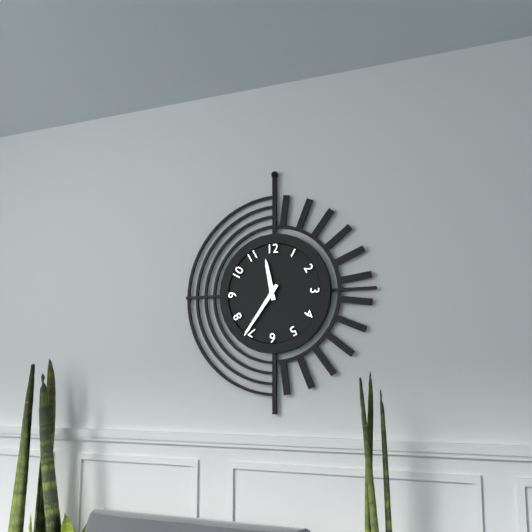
11:36
